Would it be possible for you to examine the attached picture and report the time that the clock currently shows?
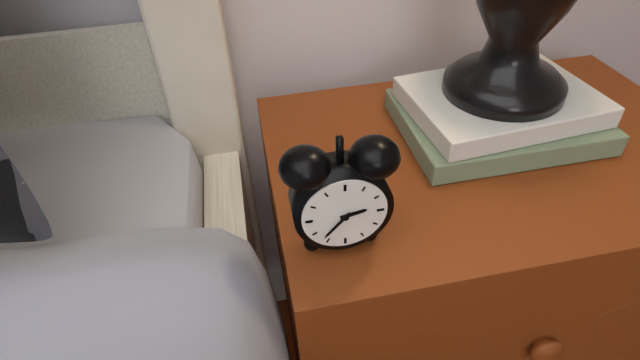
2:37
